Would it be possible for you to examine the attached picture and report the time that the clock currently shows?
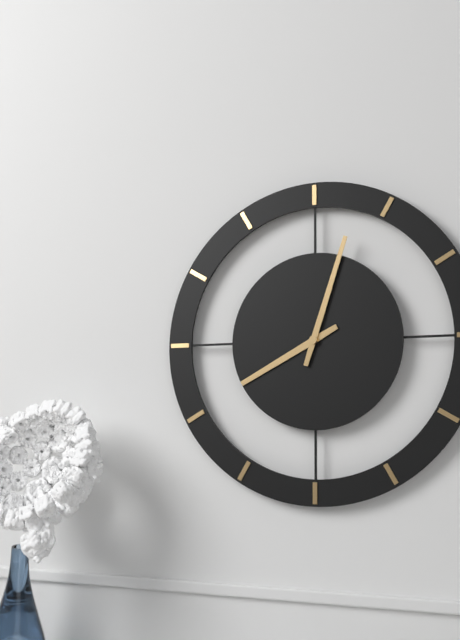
8:03
